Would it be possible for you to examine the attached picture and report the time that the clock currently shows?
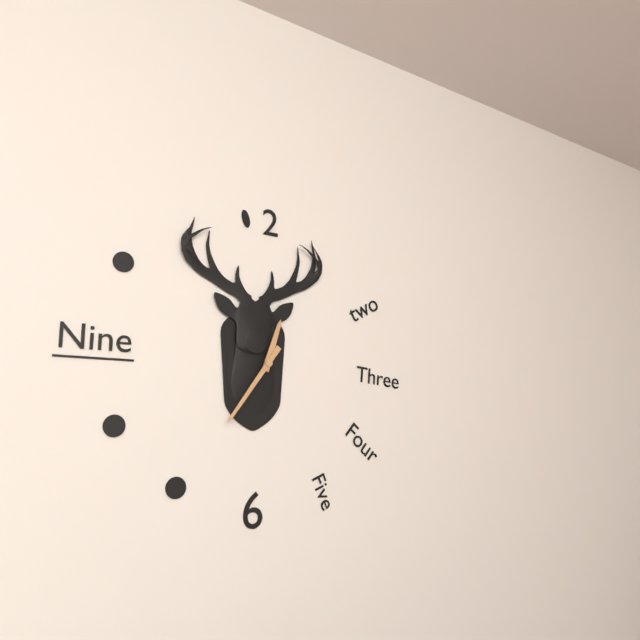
12:36
